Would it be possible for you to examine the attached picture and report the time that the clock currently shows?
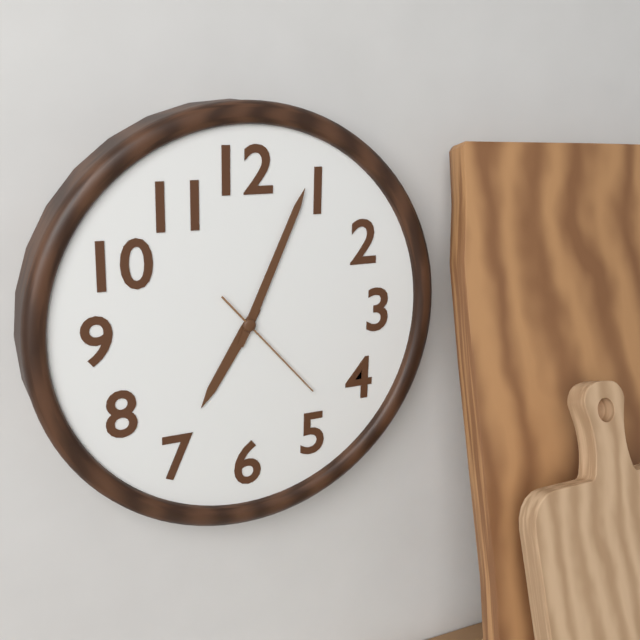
7:04:23
